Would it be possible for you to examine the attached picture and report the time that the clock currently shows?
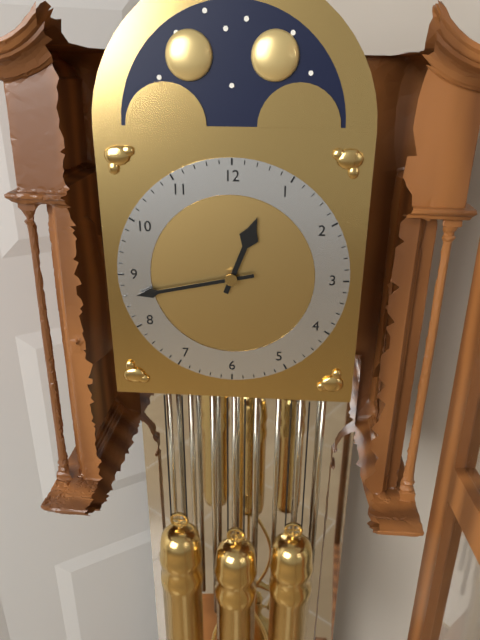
12:43
